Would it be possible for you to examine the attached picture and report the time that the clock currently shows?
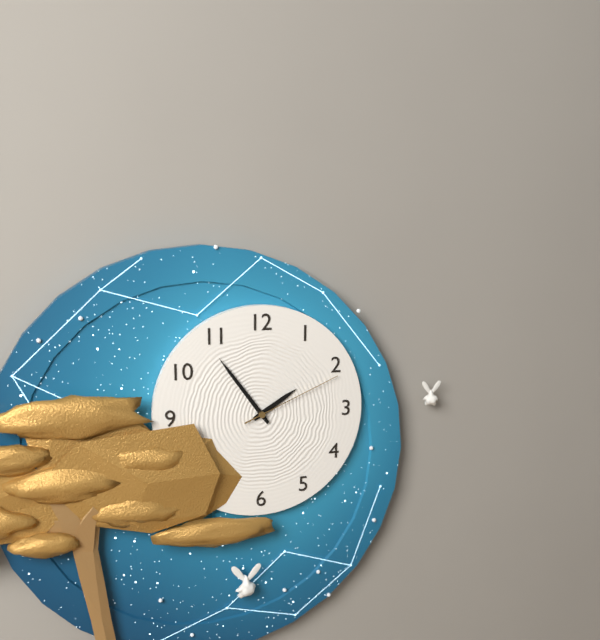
1:54:11
